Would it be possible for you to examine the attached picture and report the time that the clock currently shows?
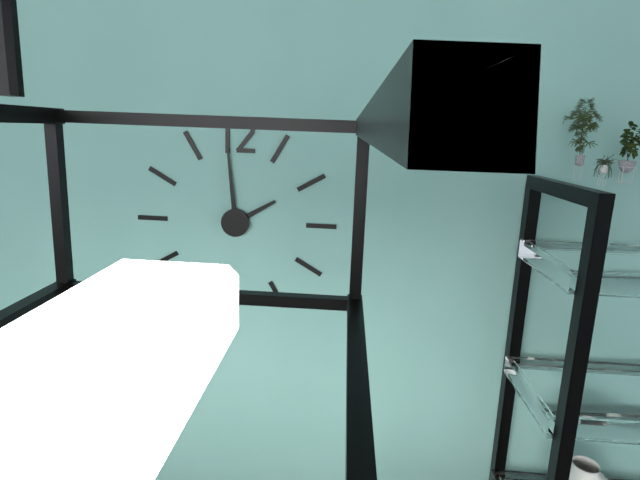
1:59
